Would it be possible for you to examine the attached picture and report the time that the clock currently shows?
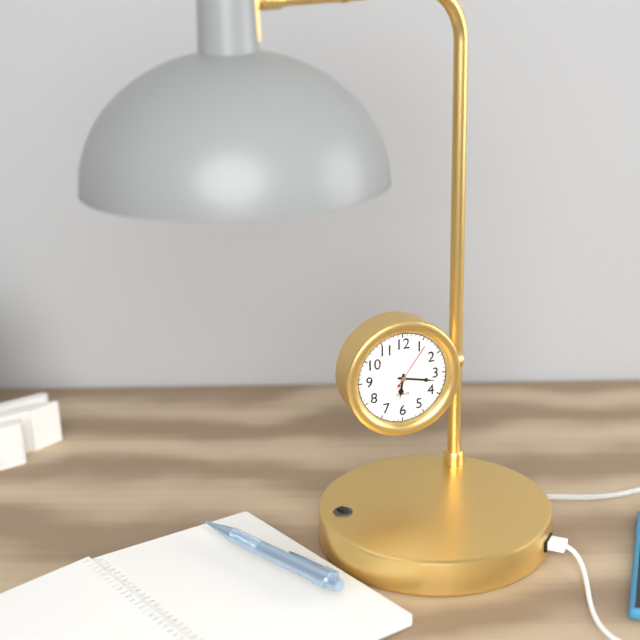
6:17
